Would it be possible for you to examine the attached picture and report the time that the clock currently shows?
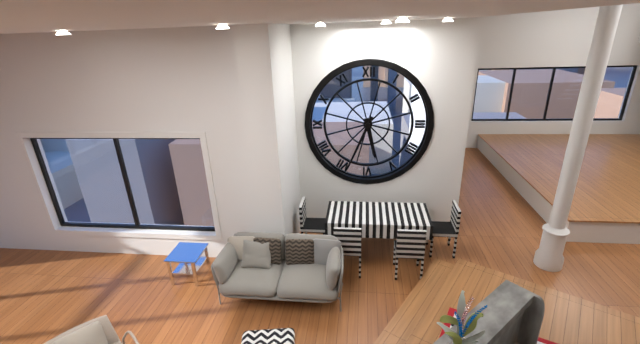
5:34
